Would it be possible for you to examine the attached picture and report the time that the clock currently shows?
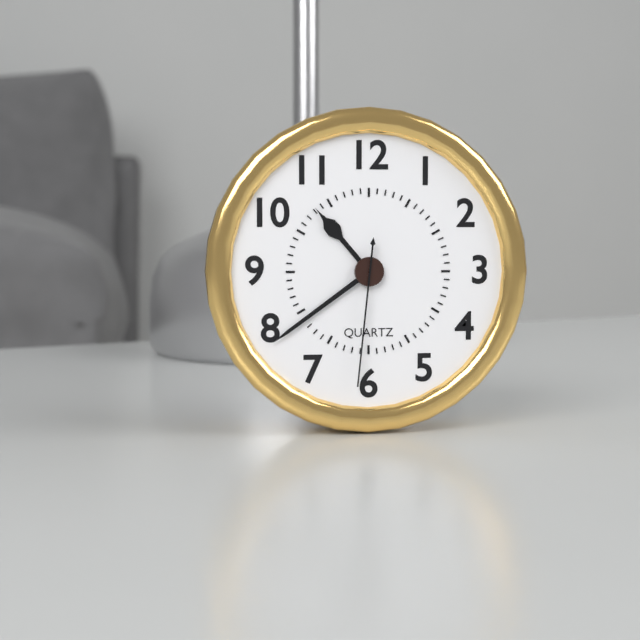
10:39:31
